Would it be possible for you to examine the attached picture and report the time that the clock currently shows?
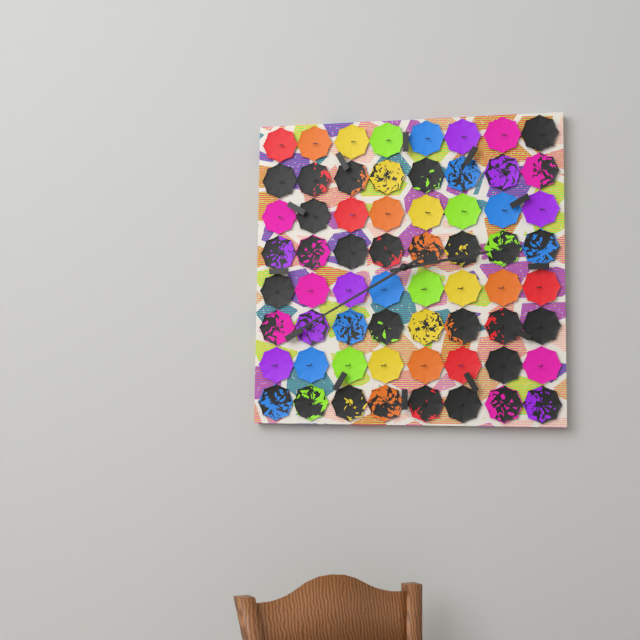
2:40
